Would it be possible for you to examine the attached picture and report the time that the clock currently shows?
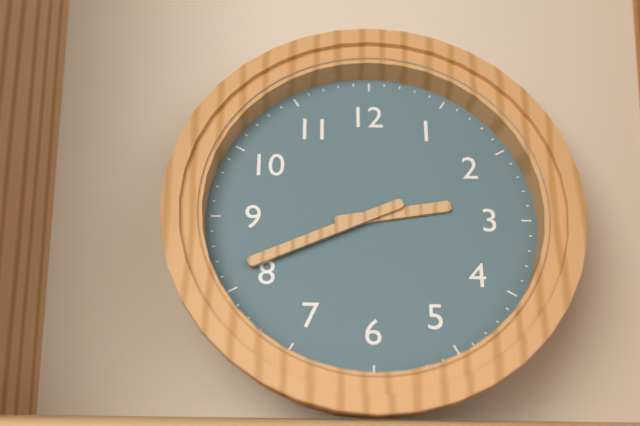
2:41
